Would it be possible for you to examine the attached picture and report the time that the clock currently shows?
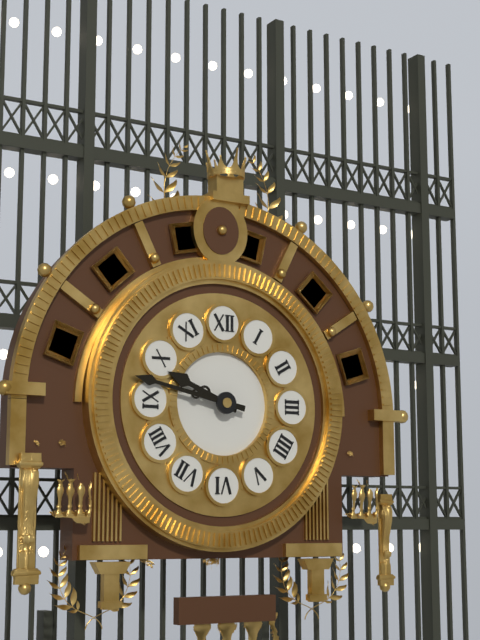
9:47
